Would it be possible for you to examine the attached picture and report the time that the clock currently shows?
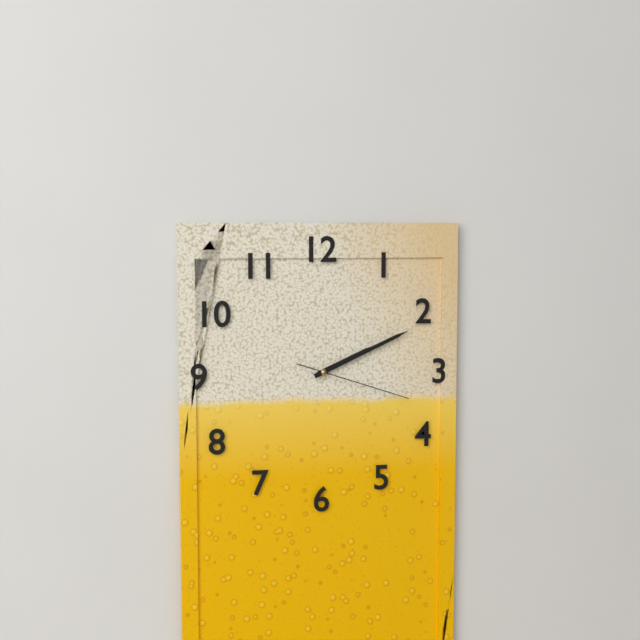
2:11:18
